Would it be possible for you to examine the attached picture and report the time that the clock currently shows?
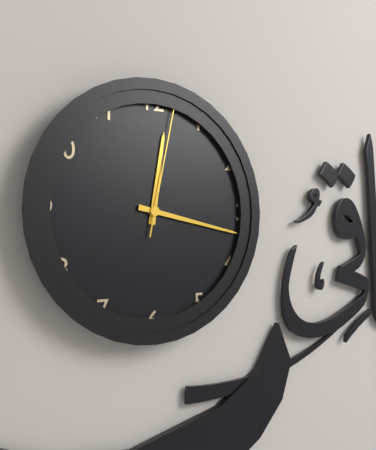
12:17:02
